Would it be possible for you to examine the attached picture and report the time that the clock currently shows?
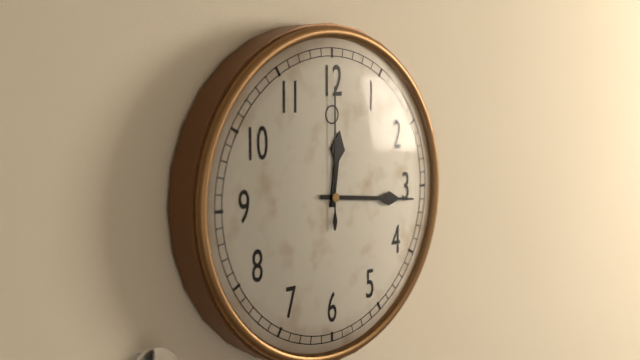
12:16:00
